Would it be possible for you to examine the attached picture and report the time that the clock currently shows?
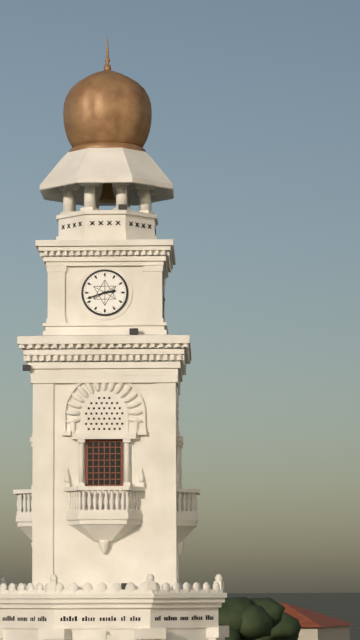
2:42
